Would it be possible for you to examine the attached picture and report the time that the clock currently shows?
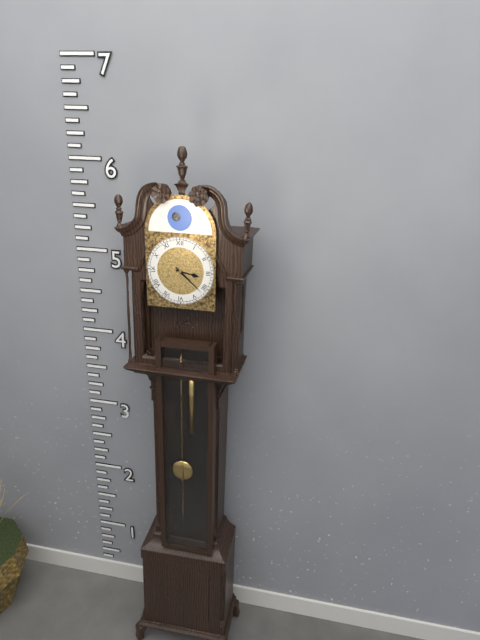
3:22
